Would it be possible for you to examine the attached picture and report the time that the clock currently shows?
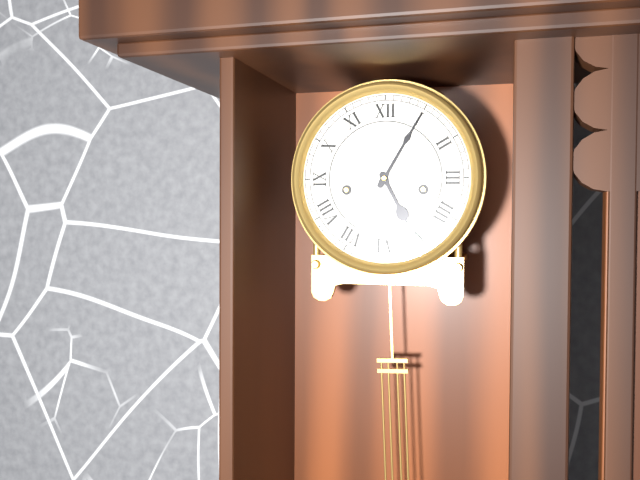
5:05
